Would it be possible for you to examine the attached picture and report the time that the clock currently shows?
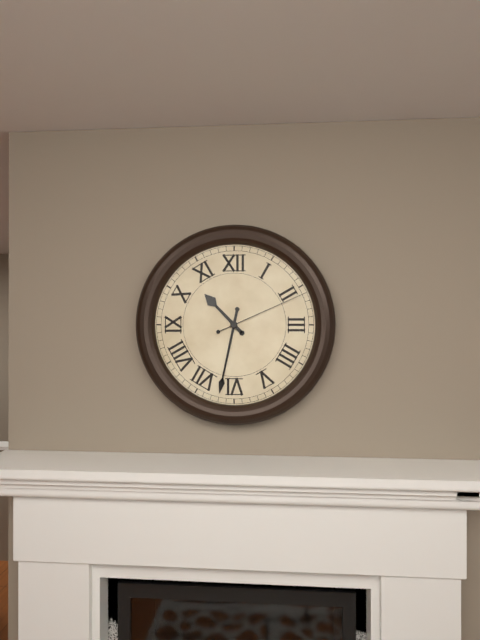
10:32:11
